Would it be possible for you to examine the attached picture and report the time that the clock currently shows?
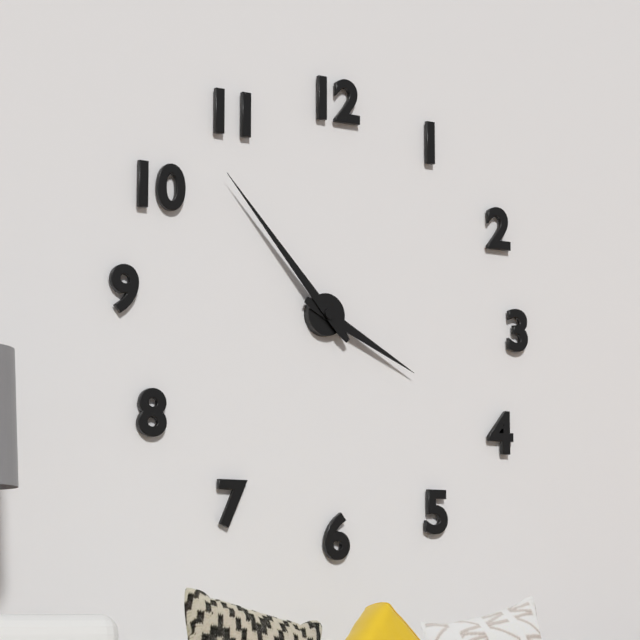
3:53
